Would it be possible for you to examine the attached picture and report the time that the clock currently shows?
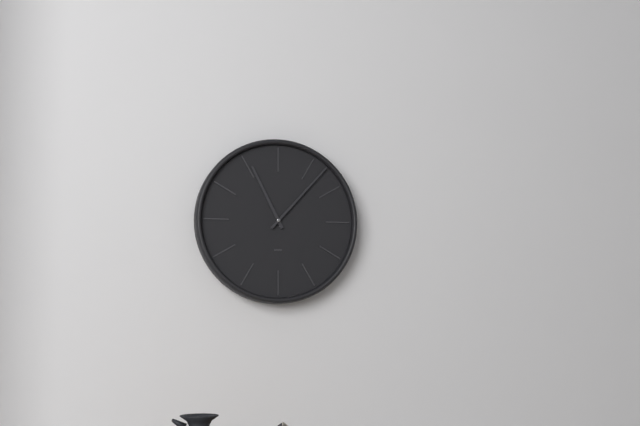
11:07
